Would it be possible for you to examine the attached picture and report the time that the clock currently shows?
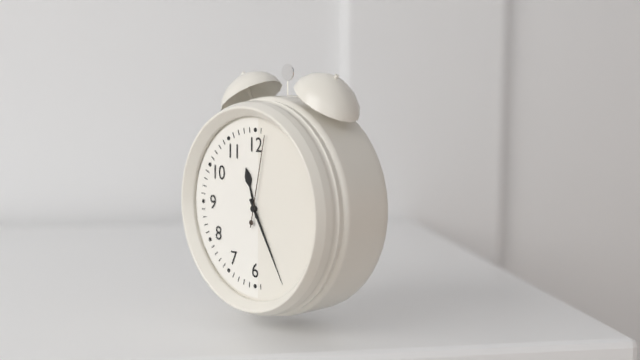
11:25:02
